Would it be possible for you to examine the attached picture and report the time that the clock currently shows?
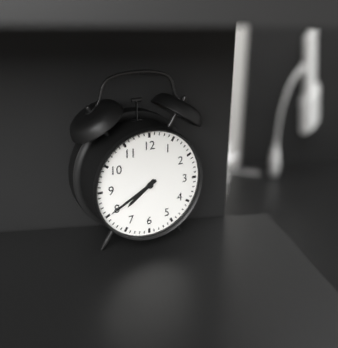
7:40
